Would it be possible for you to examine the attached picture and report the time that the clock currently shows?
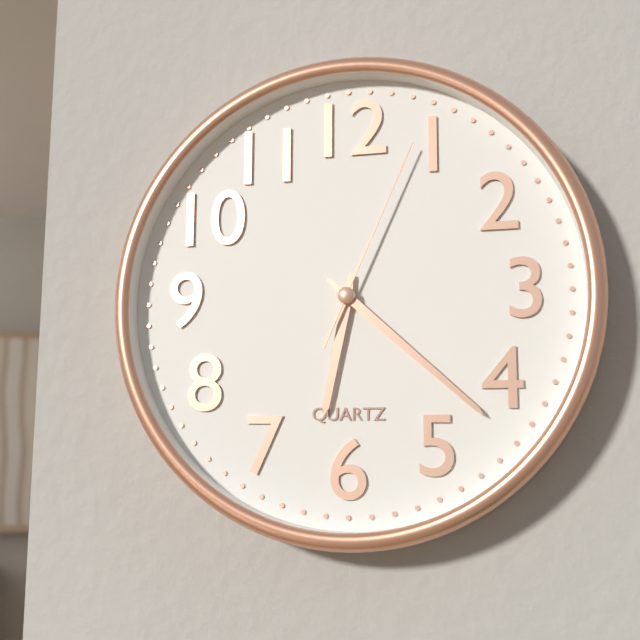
6:22:04
